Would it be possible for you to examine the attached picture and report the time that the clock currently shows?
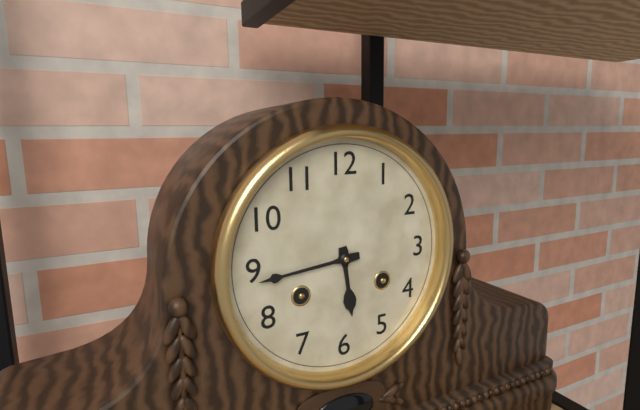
5:44
